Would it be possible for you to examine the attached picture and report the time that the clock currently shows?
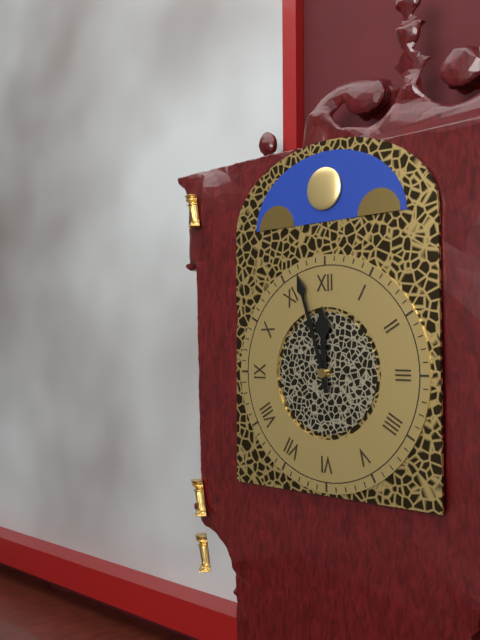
11:57
